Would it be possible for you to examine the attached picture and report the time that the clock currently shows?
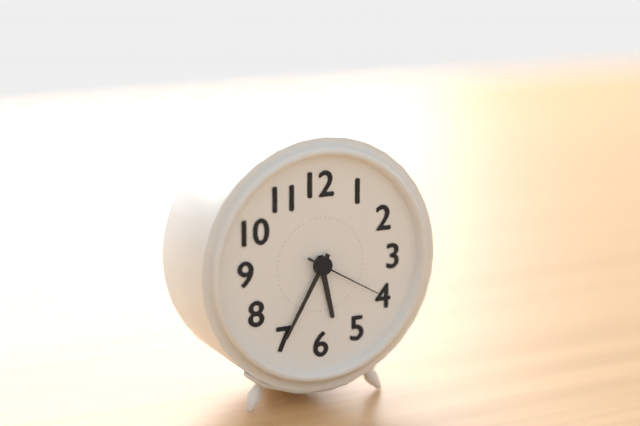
5:35:20
